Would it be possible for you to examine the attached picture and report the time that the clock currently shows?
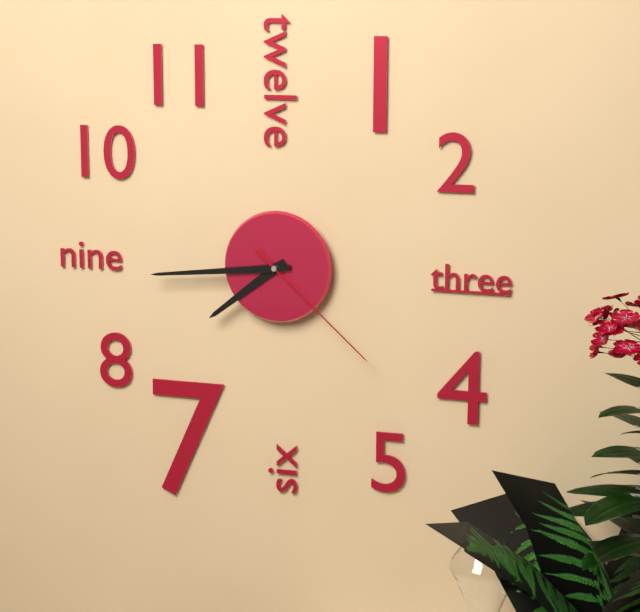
7:44:22
